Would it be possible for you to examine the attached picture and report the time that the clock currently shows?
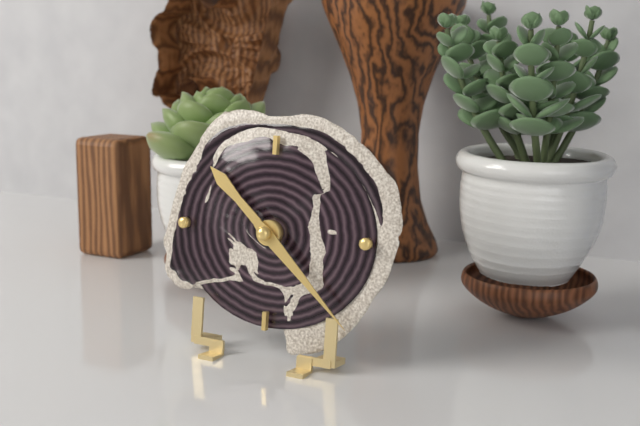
10:22
